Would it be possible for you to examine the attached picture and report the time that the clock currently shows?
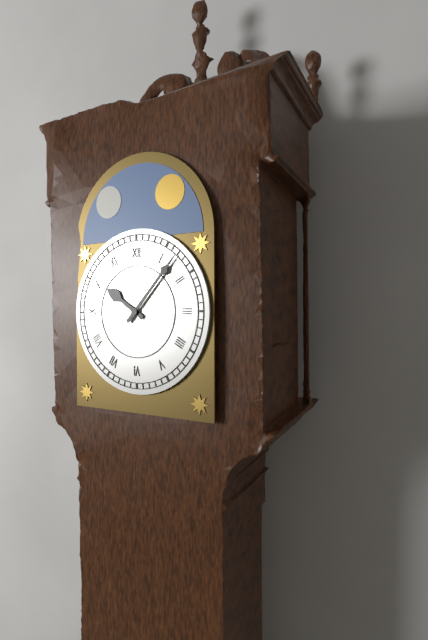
10:07
